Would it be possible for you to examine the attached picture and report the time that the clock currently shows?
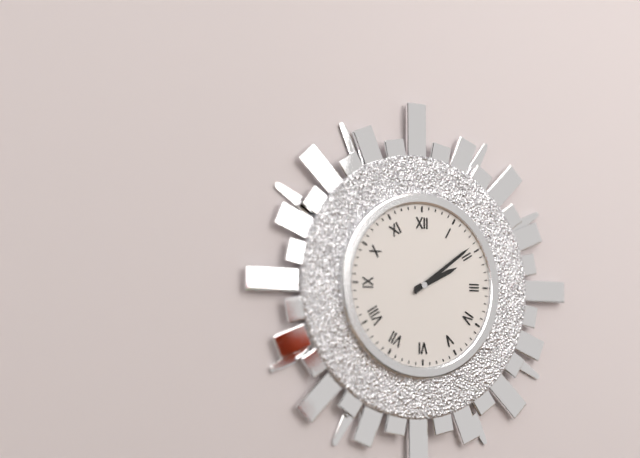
2:09
